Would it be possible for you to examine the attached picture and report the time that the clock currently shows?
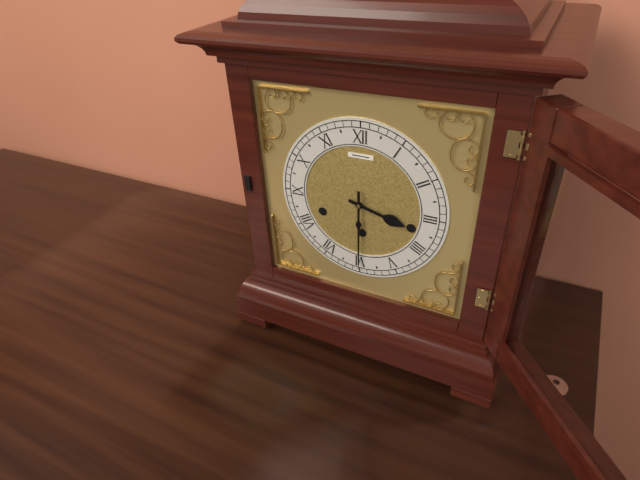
3:30
